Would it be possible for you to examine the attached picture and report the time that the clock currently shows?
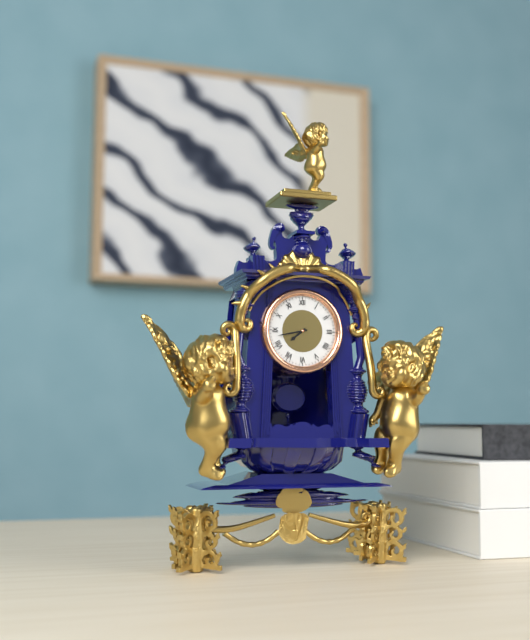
7:43
